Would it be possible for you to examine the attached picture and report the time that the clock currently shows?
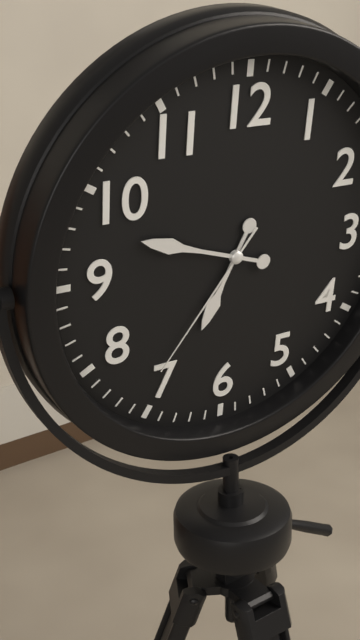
6:48:36
